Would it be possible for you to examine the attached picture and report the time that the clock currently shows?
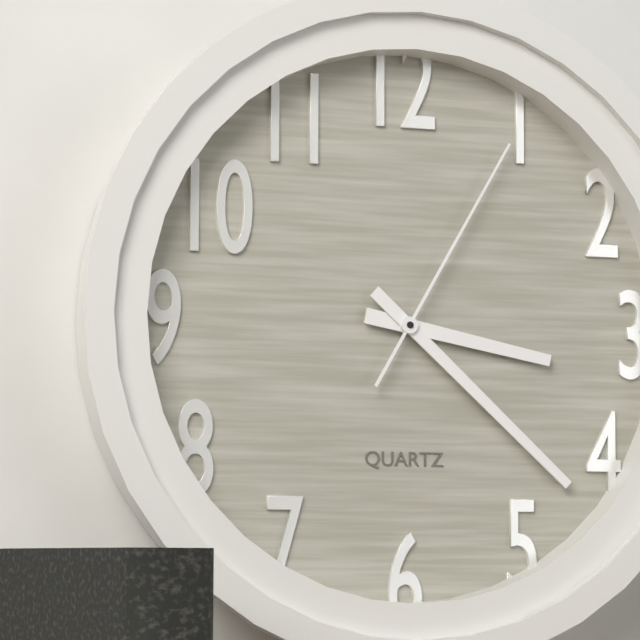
3:22:05
